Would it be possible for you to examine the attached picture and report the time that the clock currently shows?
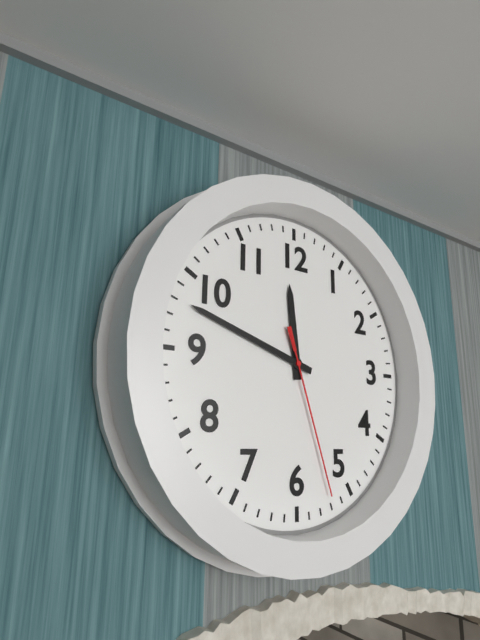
11:48:27
